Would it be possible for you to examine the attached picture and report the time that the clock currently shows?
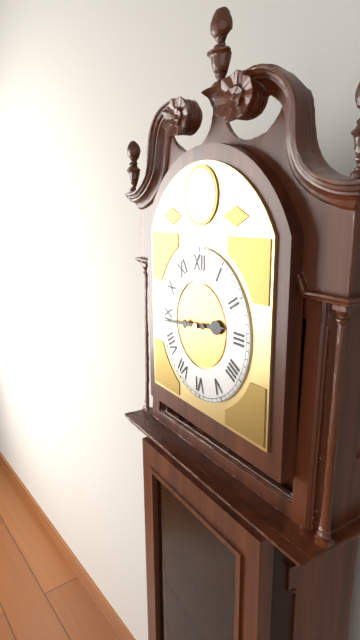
2:44
